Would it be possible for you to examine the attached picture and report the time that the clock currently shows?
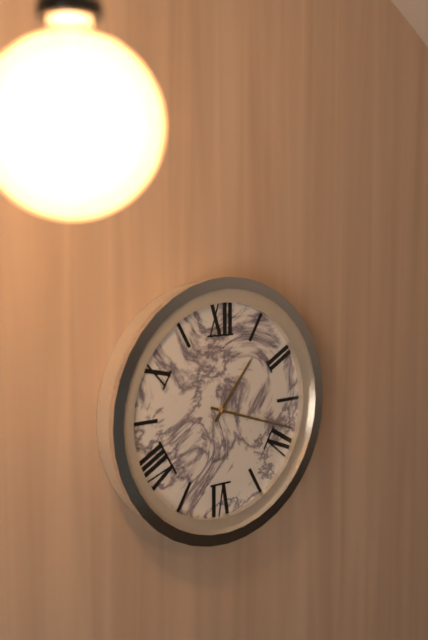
1:18
